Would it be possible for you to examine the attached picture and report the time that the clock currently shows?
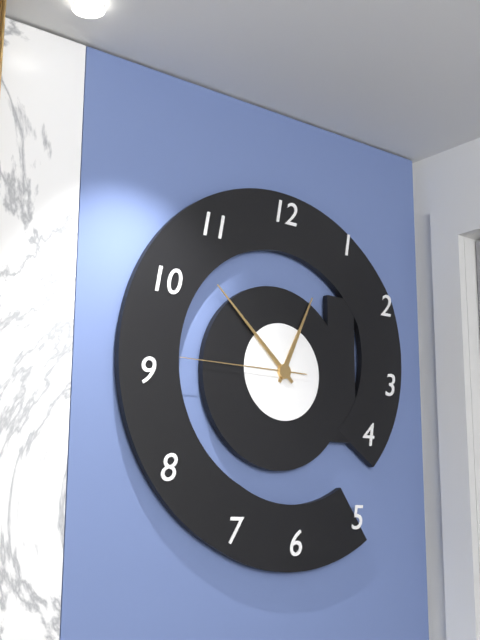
12:52:45
